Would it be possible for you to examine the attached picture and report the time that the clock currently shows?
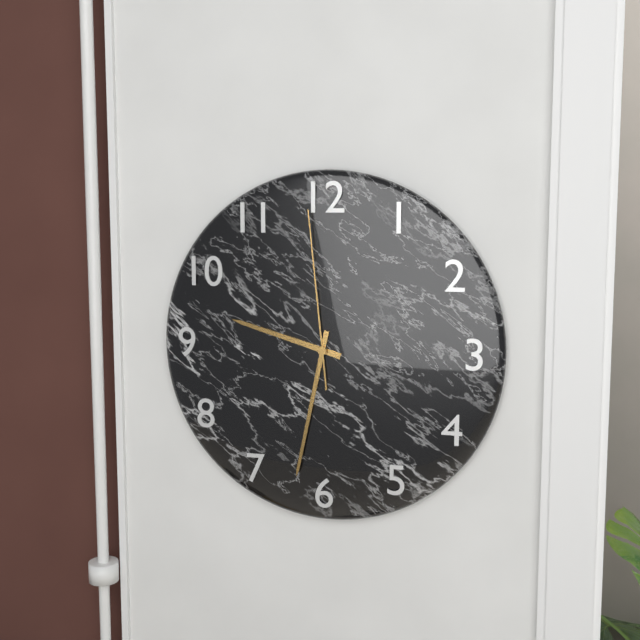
9:32:59
